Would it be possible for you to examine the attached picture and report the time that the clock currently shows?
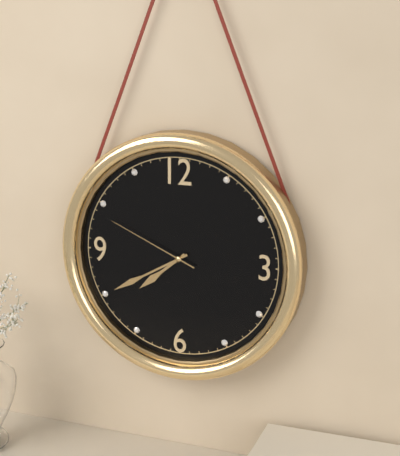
7:40:49
